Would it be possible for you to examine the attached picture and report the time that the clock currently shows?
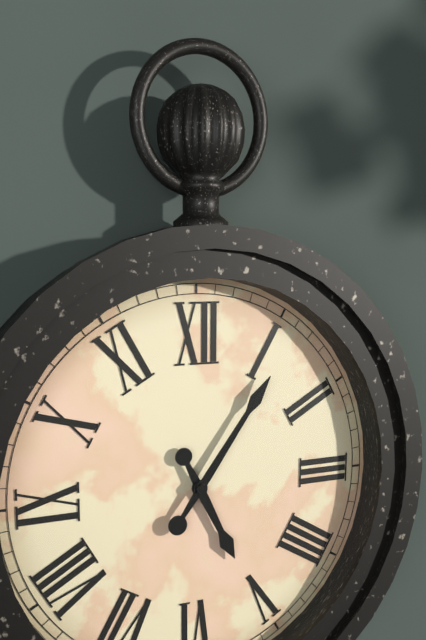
5:06
